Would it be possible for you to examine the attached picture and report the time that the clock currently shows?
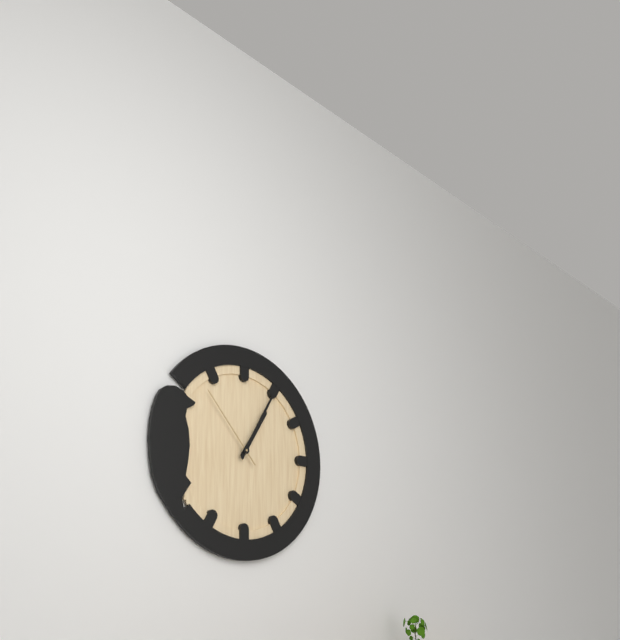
1:05:53
